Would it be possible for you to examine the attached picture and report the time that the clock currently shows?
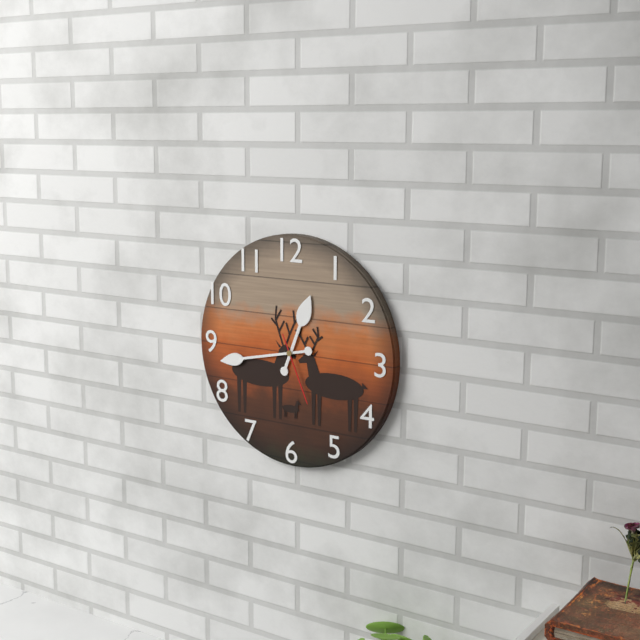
12:43:26
